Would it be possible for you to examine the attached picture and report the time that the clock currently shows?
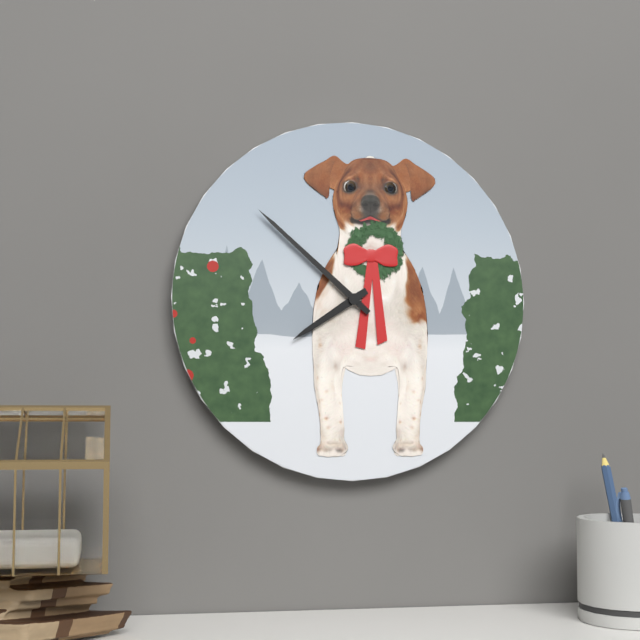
7:52
